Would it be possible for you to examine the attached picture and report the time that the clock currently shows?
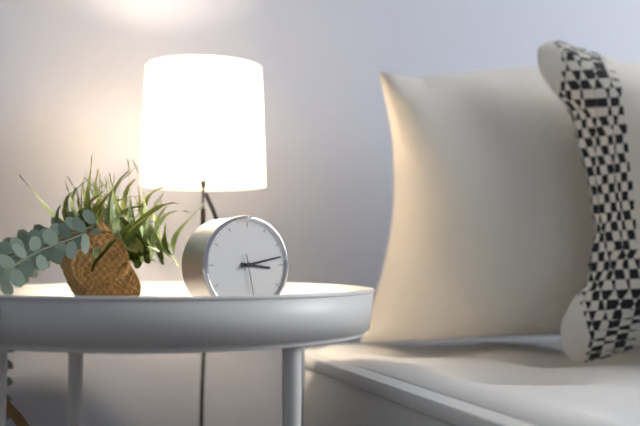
3:13
